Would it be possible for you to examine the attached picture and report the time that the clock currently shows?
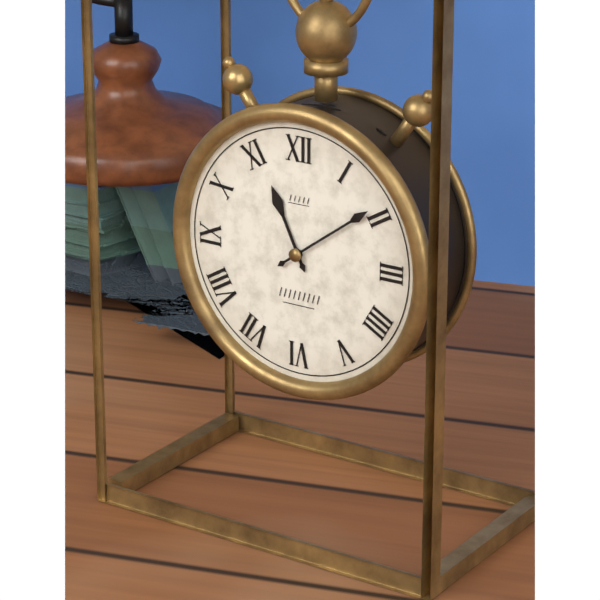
11:09
